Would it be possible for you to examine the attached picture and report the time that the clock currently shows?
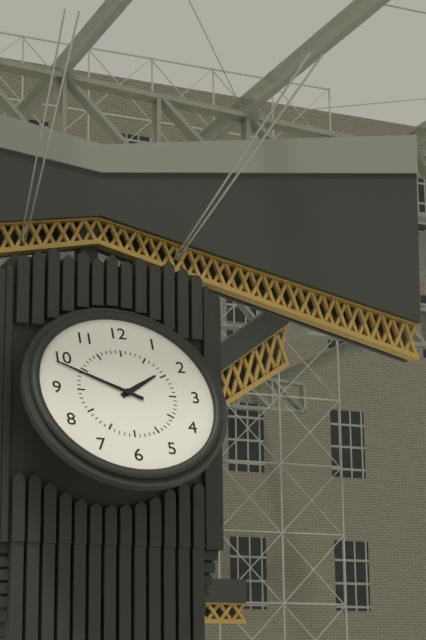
1:49
